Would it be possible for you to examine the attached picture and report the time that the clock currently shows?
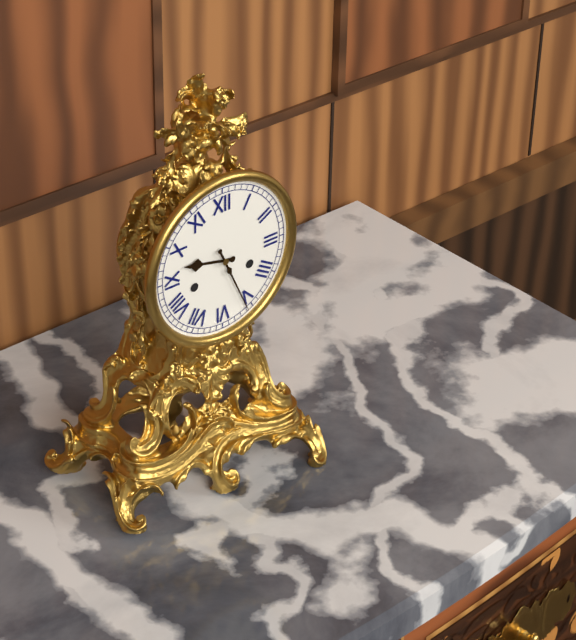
9:26
